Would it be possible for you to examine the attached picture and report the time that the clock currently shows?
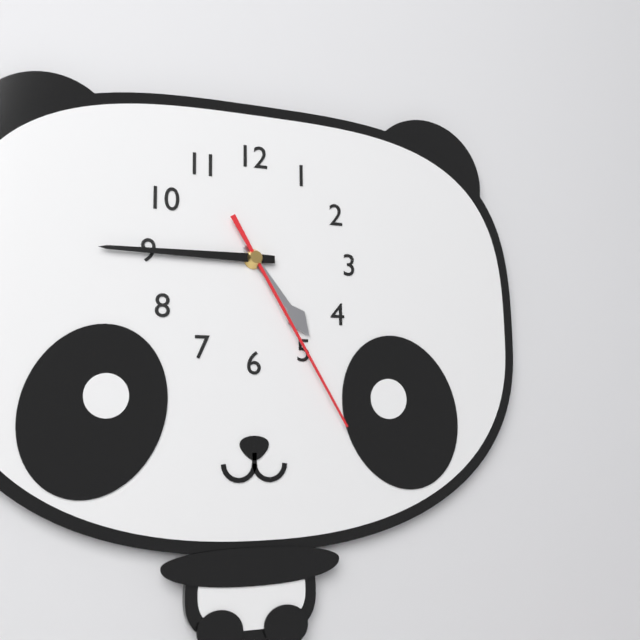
4:45:25
